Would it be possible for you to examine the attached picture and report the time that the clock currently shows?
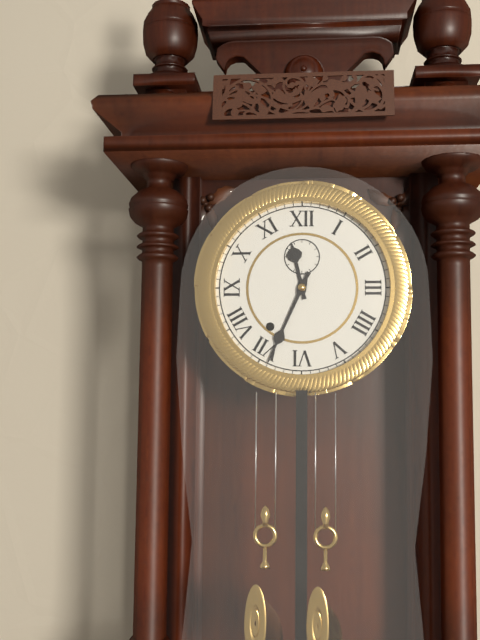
11:34
